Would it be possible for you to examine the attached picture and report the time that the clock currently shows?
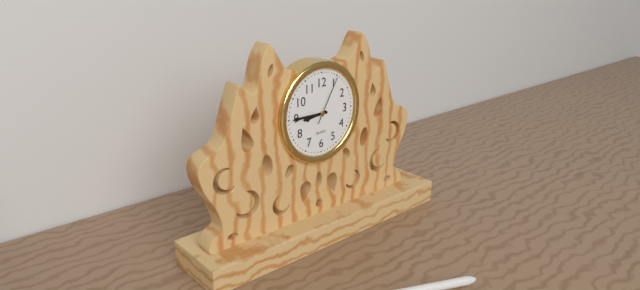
8:45:05
